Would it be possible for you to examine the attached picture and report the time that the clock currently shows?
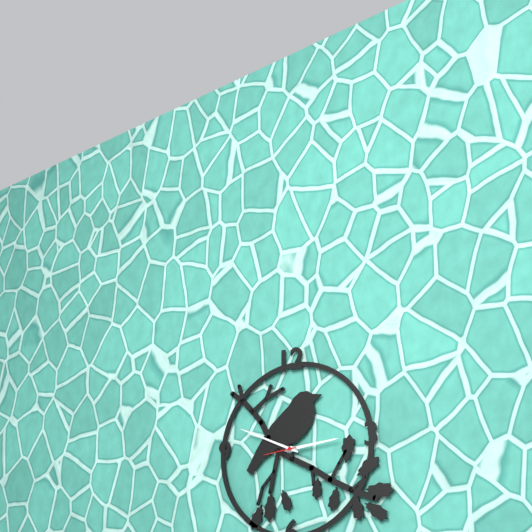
2:49
